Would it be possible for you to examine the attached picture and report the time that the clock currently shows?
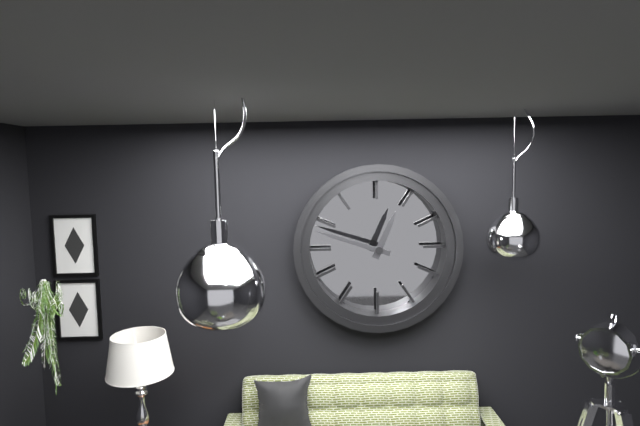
12:48
